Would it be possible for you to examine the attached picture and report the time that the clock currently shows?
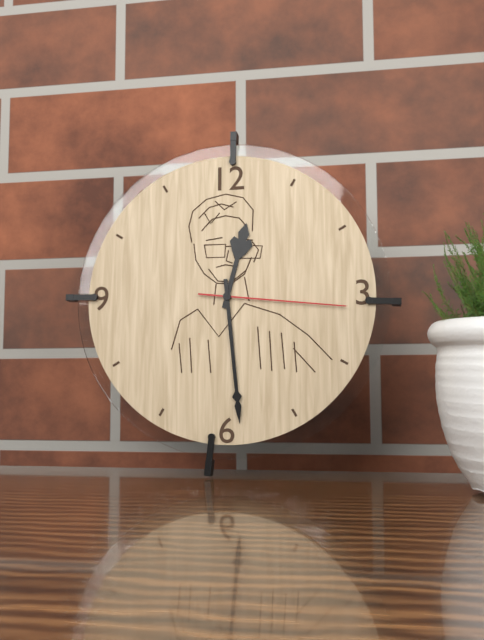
12:29:16
